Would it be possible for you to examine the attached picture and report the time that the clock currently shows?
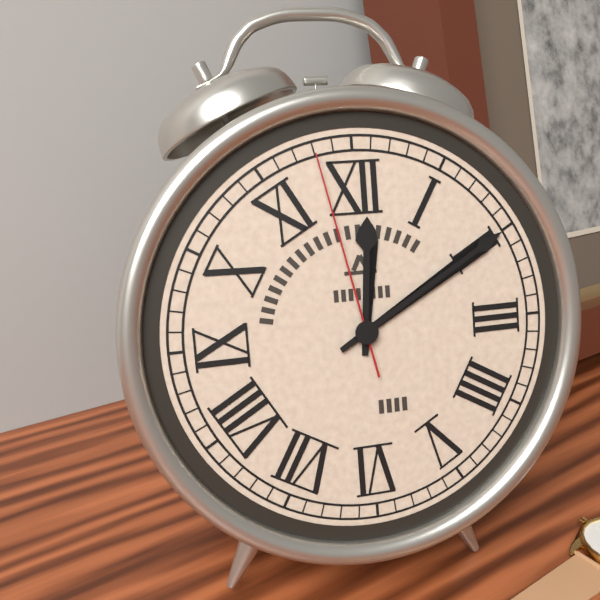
12:10:58
